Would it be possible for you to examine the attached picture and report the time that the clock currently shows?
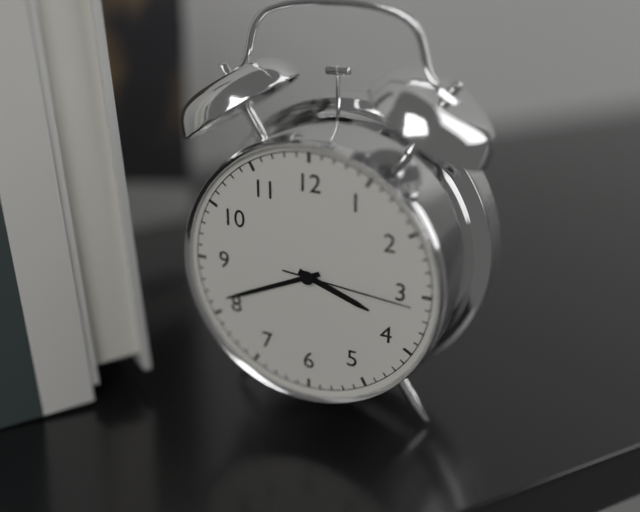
3:41:16
